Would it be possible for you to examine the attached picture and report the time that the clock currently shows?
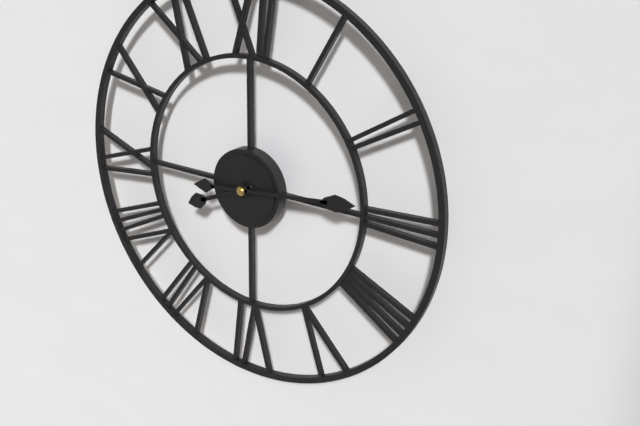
8:14
